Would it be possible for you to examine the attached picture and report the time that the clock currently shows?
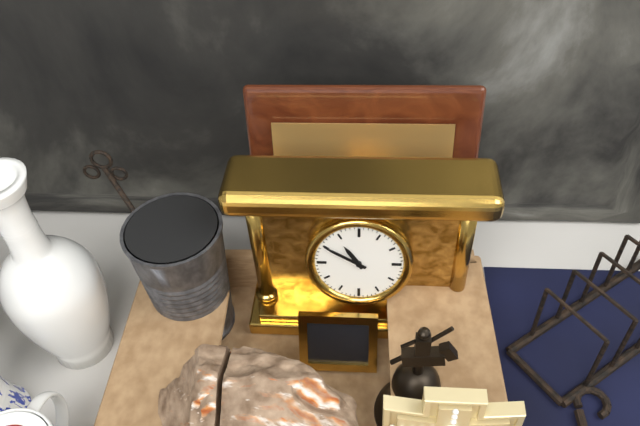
10:50
